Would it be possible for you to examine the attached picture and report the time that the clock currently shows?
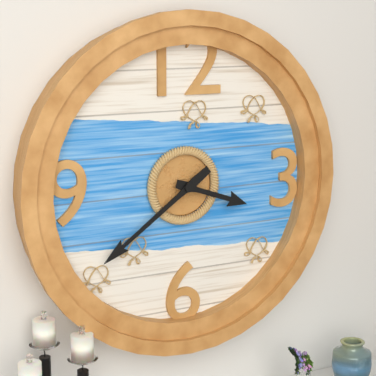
3:39
